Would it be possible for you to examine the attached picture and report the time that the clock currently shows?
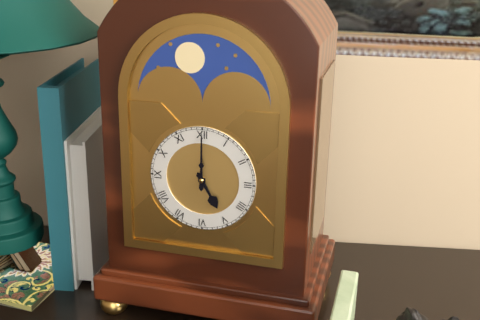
5:00
